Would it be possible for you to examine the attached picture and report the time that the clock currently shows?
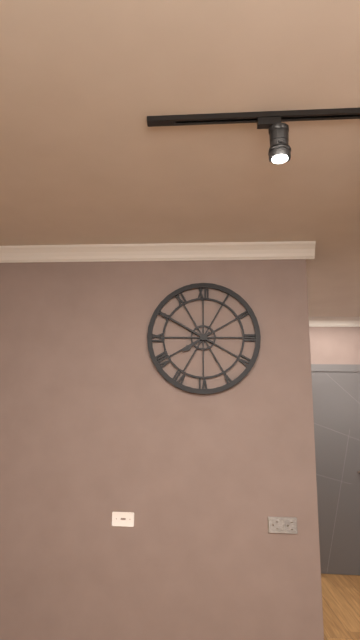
7:50
